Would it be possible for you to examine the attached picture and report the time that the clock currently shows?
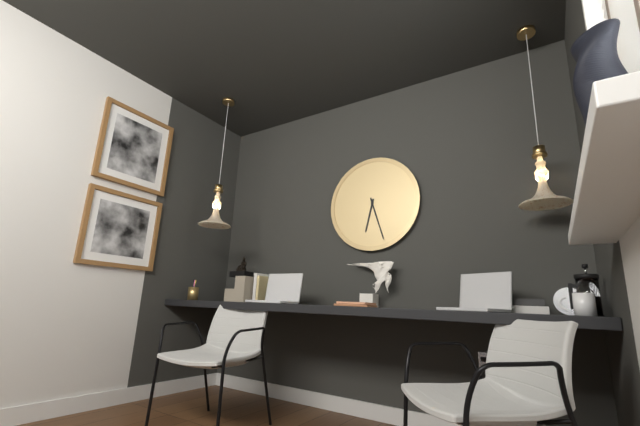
6:27
